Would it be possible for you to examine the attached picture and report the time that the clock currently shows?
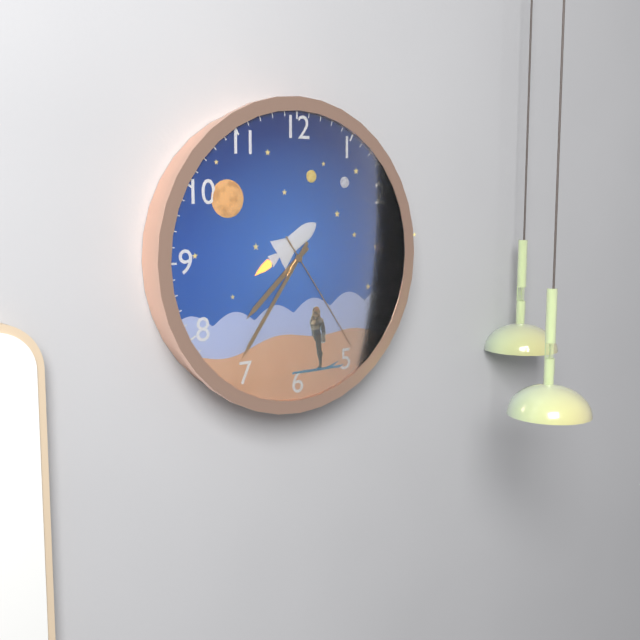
7:36:24
